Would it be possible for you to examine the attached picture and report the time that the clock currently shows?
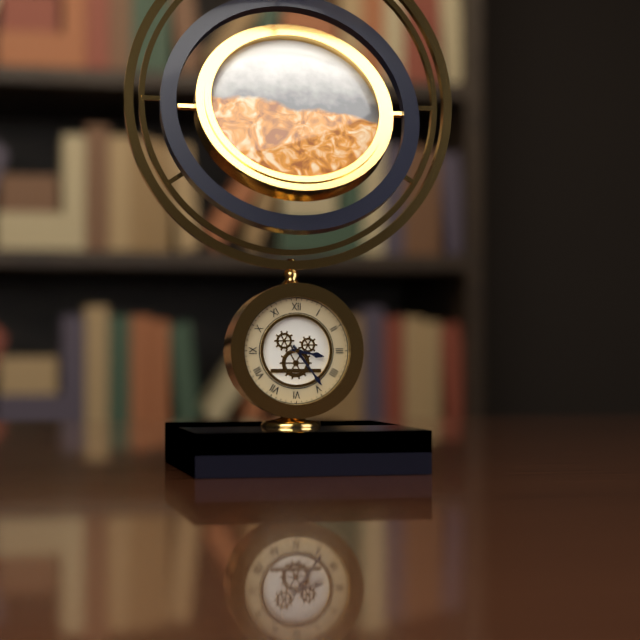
3:24
